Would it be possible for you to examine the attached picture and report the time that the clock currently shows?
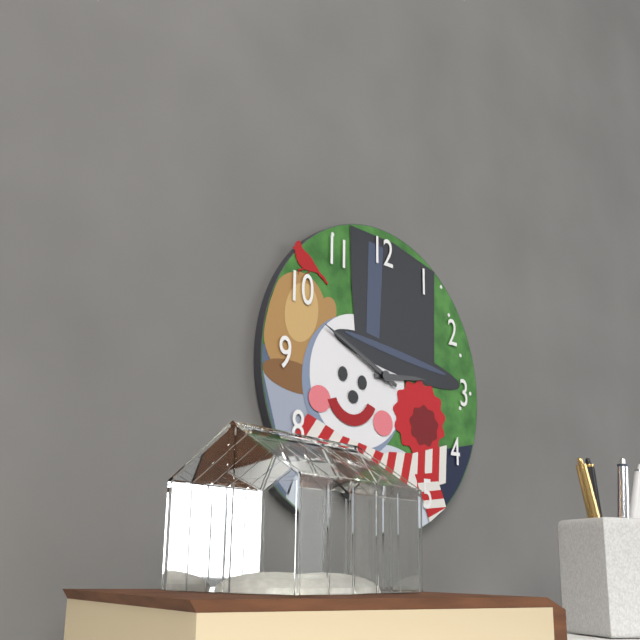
2:49
